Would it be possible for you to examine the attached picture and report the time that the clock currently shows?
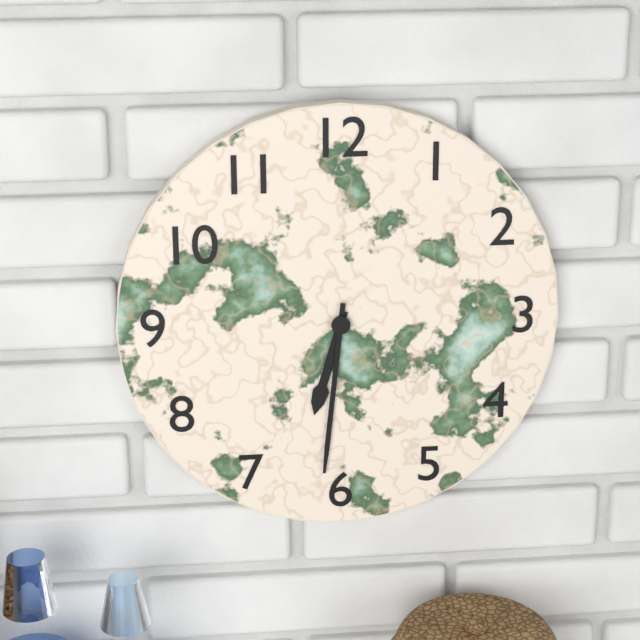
6:31
